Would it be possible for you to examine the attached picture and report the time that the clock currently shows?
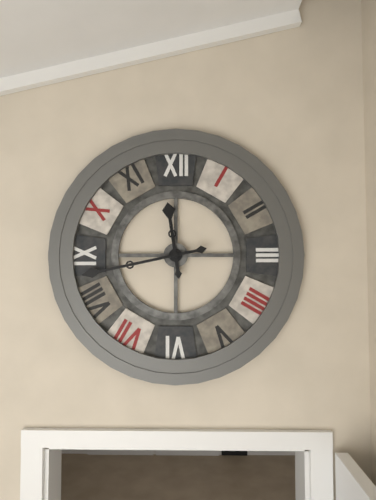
11:43
